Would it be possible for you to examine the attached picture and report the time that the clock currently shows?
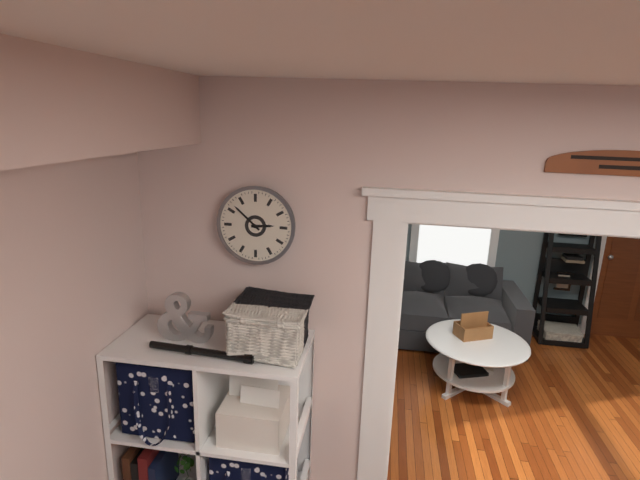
2:52
